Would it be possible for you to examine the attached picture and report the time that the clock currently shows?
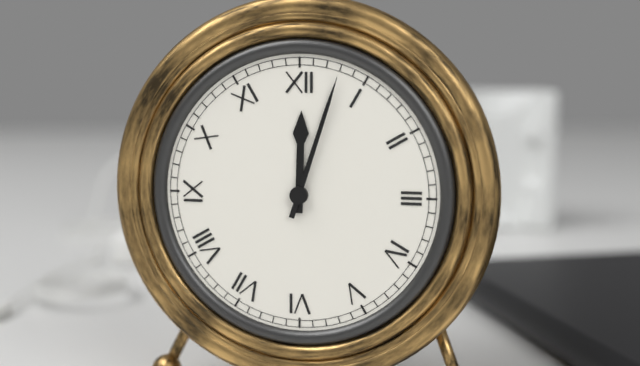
12:03
